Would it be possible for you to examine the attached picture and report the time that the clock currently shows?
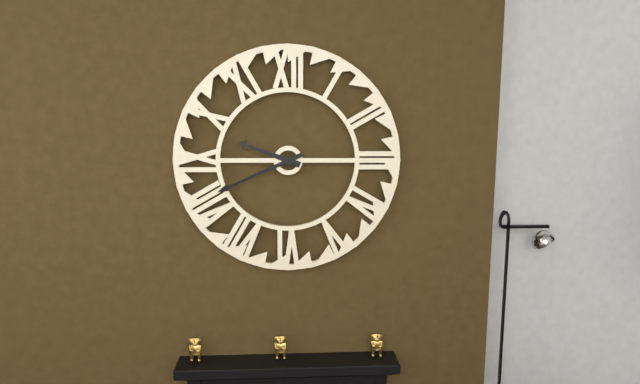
9:41
